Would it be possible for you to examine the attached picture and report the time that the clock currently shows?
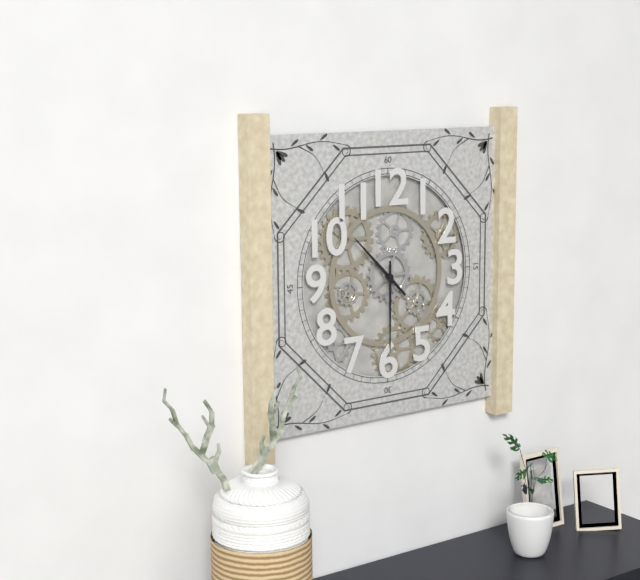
10:30
